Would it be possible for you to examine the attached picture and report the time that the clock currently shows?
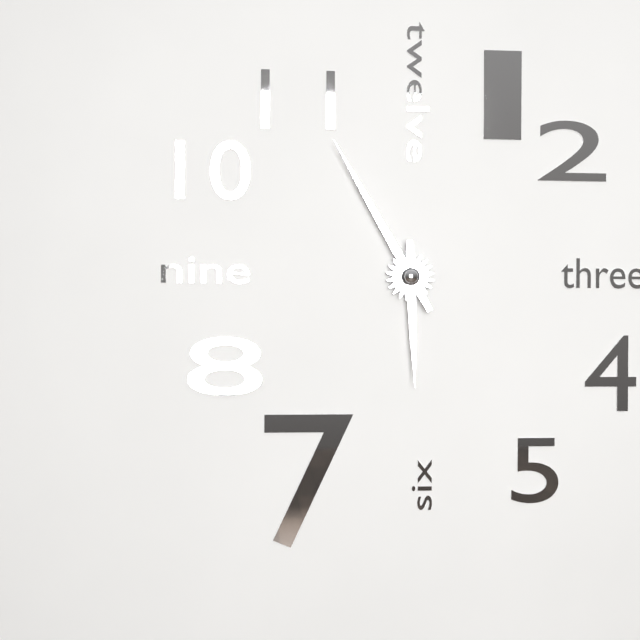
5:55
